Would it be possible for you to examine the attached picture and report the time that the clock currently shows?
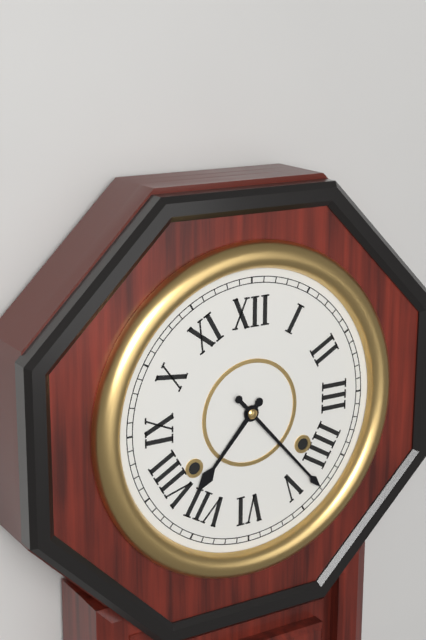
7:23
